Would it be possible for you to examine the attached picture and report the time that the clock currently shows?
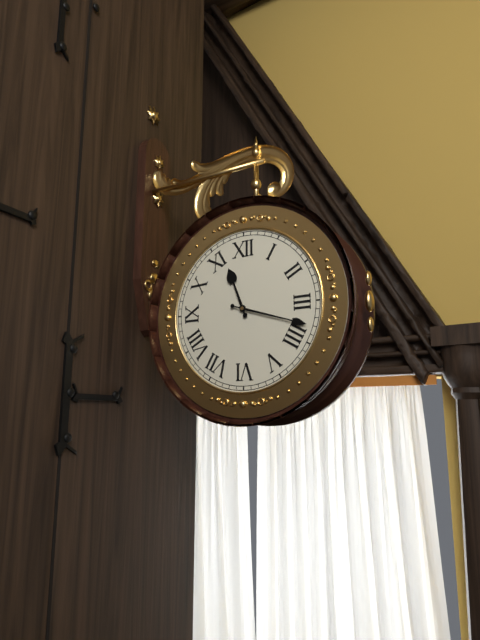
11:18
